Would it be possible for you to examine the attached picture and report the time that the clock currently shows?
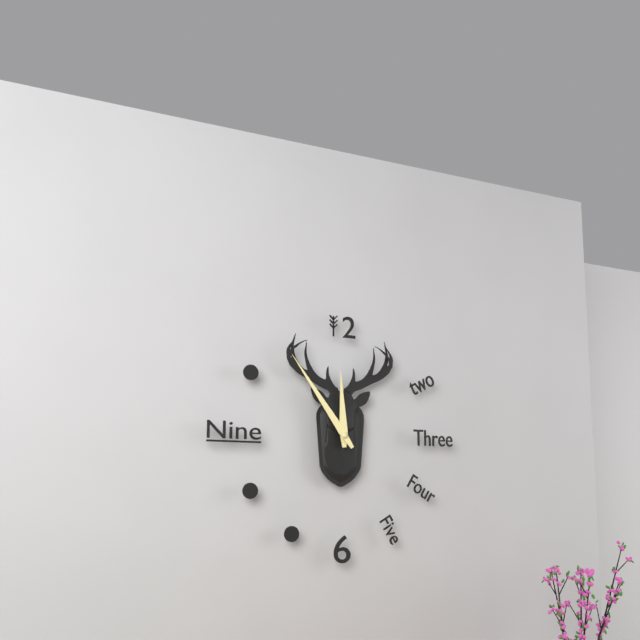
11:54
